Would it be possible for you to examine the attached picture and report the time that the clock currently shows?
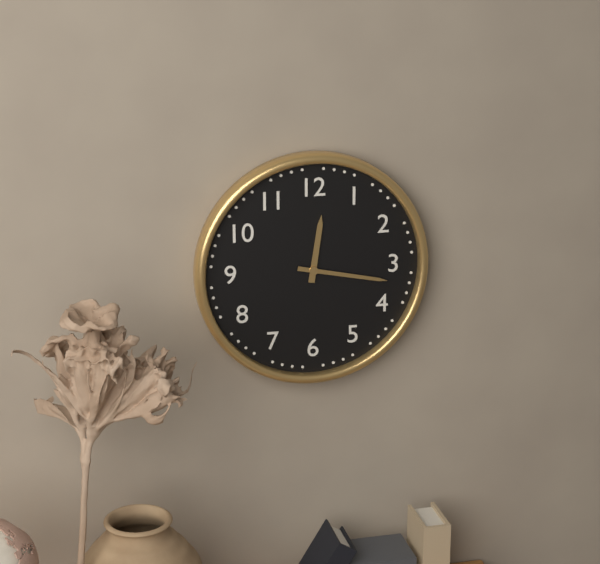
12:17
